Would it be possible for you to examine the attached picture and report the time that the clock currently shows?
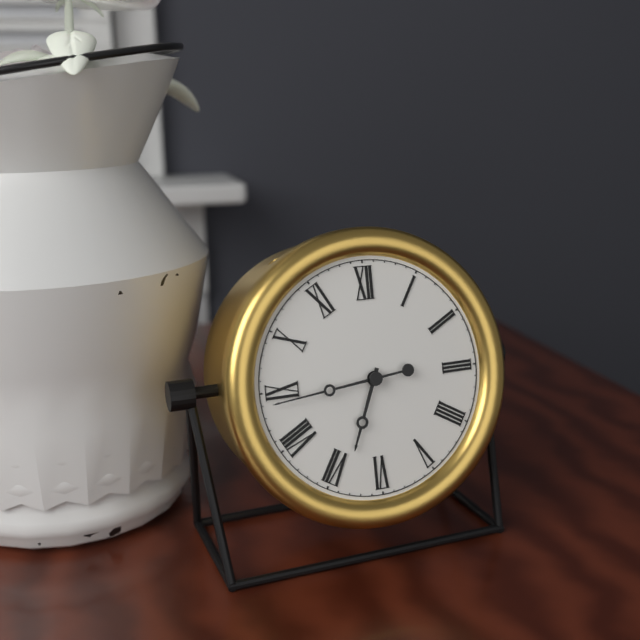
6:44
